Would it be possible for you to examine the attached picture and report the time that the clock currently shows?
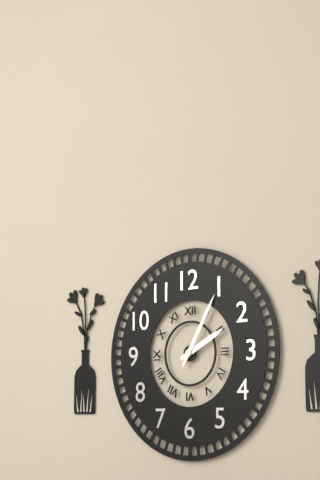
2:05
